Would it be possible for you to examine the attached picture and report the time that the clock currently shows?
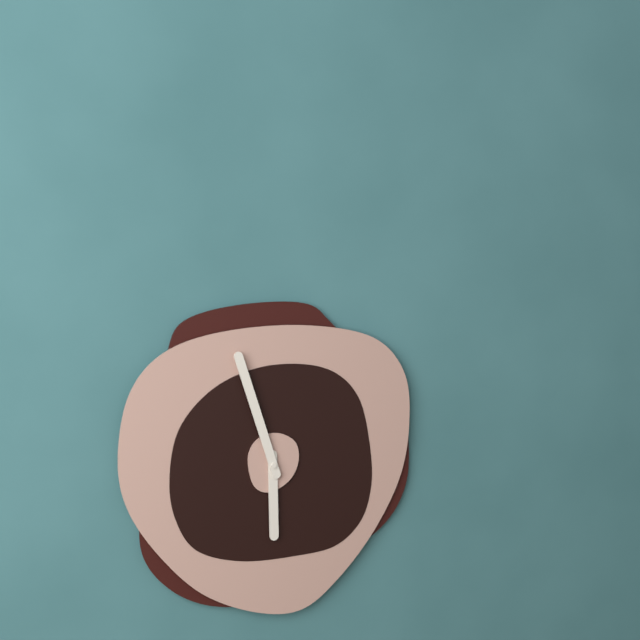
5:57
